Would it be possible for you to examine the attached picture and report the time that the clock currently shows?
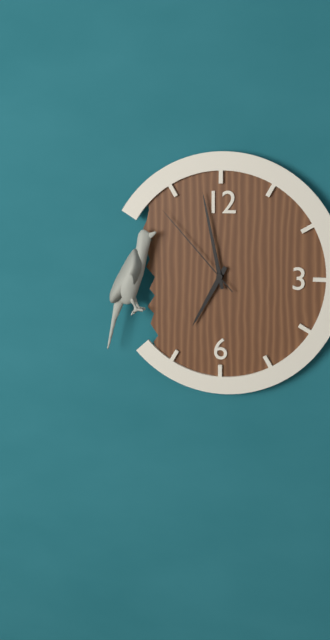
6:58:53
